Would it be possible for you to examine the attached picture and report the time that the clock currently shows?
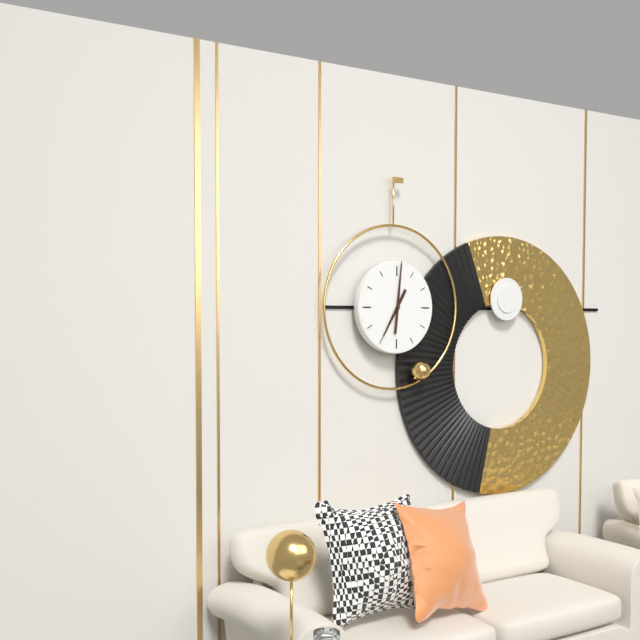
7:01
